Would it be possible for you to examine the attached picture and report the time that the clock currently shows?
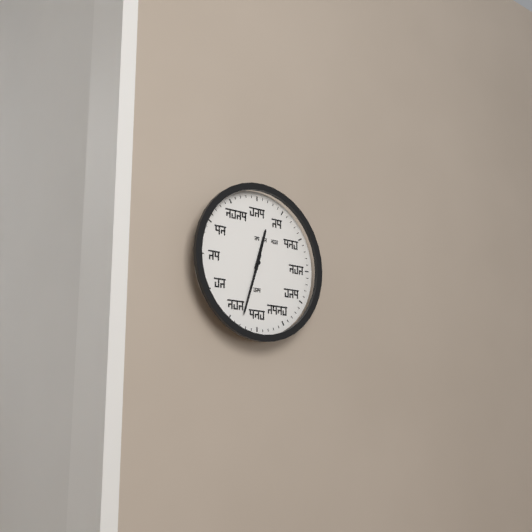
12:33
